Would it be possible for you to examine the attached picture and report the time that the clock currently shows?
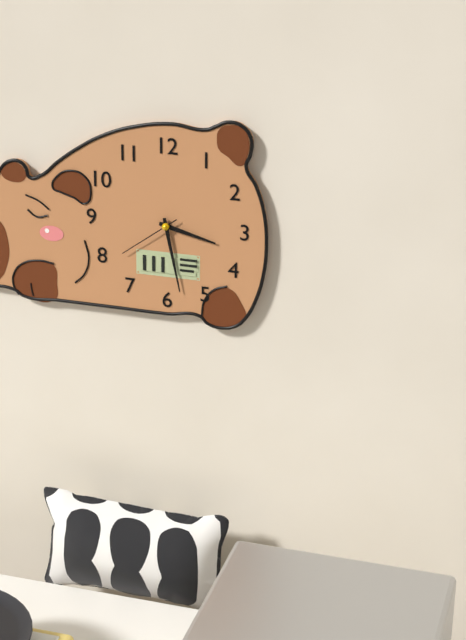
3:28:39
